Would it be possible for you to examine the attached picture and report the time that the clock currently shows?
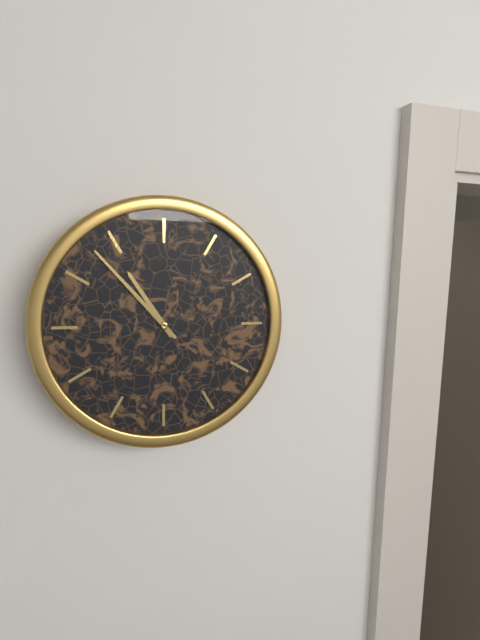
10:53
